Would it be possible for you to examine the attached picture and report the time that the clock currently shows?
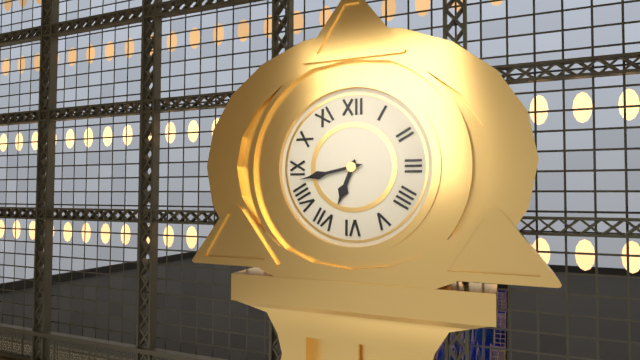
6:43
